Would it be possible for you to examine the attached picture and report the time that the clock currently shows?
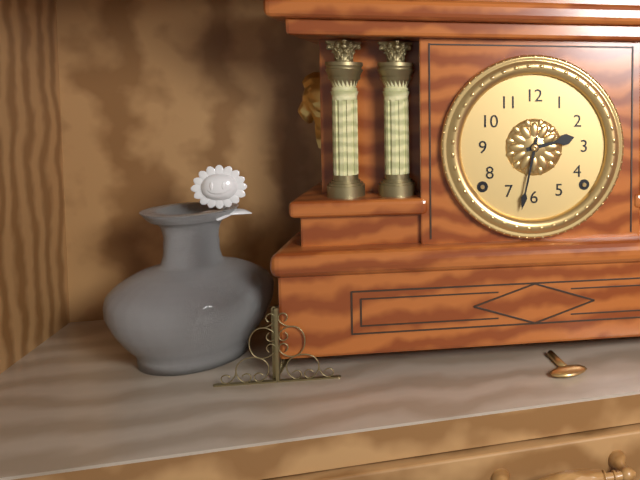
2:32
